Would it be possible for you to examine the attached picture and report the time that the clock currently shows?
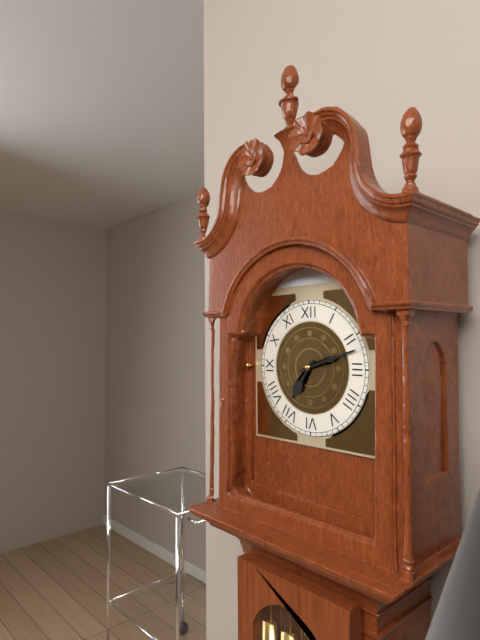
7:12
